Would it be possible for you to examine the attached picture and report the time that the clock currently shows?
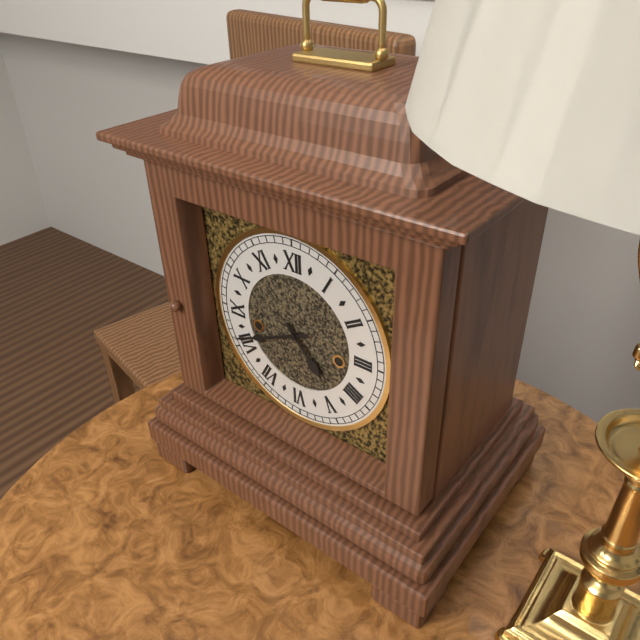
4:41
